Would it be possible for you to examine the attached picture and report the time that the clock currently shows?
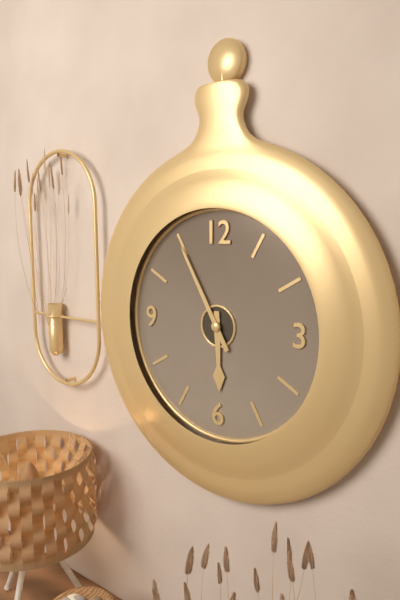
5:55
